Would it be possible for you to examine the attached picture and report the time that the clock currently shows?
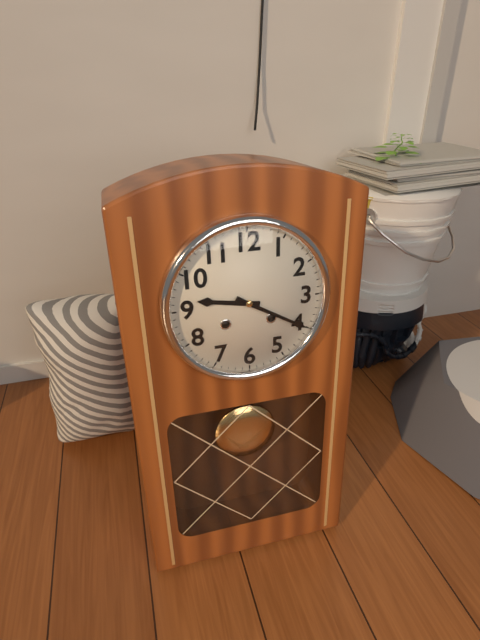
9:20
